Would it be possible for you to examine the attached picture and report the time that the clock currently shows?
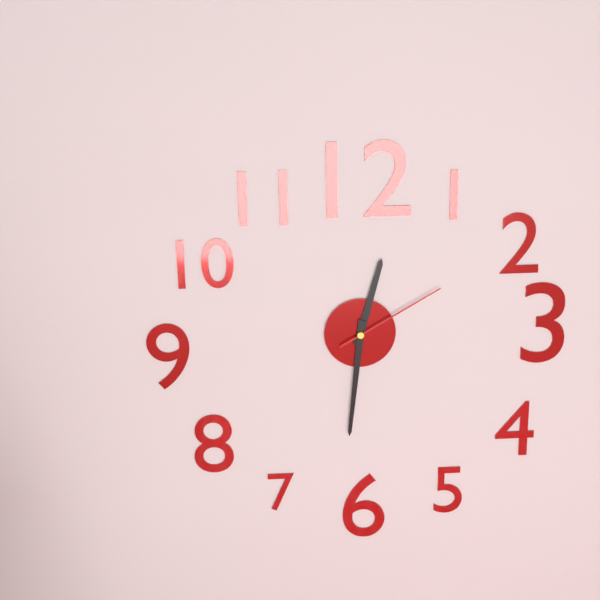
12:31:10
